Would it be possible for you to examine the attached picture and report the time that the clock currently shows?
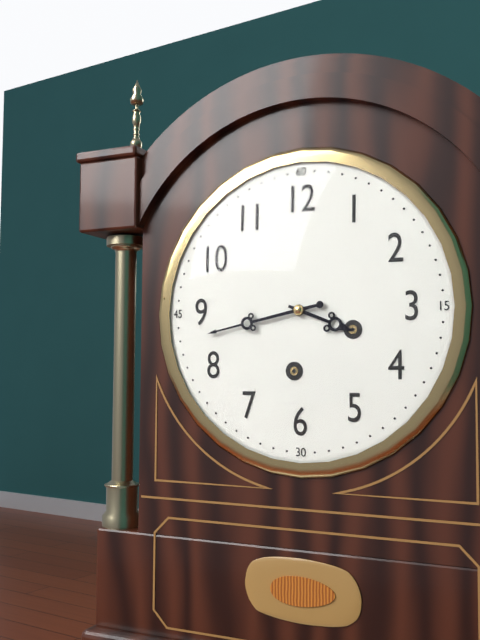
3:43
